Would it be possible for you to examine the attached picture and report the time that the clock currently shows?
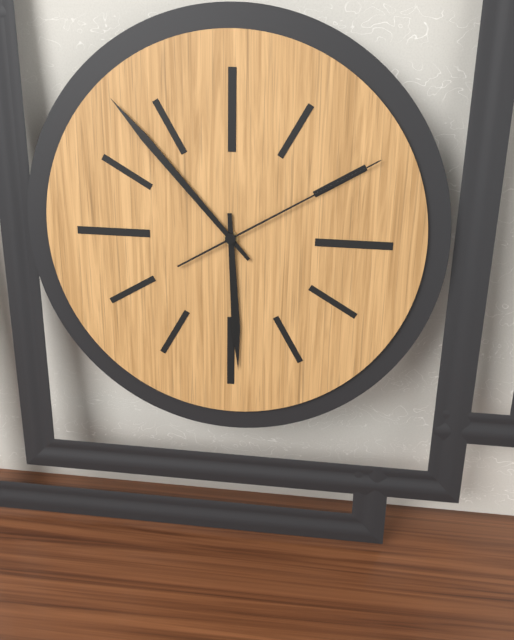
5:53:10
